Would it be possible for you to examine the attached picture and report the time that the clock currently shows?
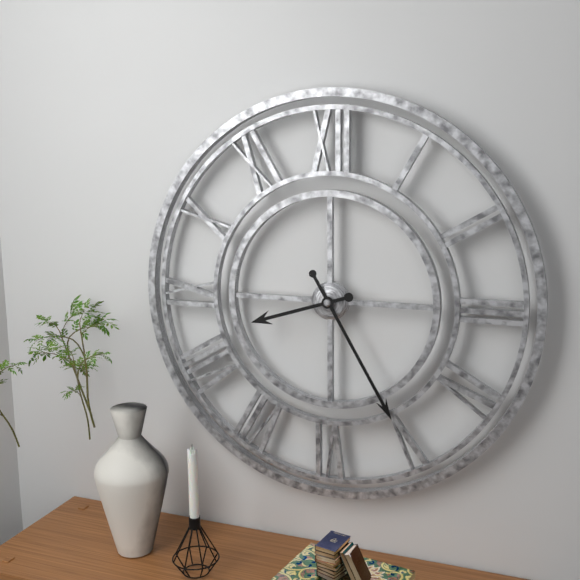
8:25
